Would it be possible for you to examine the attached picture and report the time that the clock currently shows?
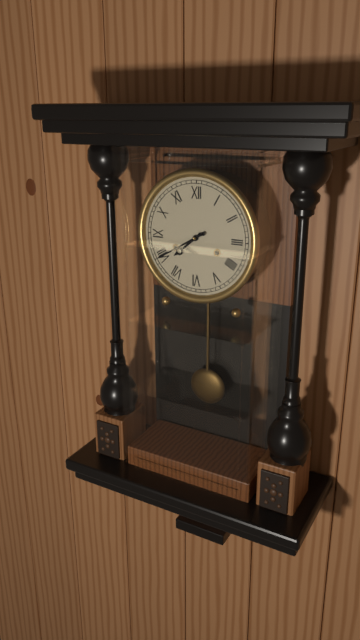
7:40
